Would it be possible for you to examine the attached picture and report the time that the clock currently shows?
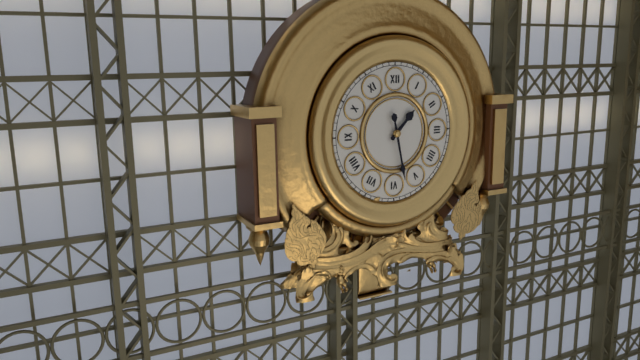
1:28
